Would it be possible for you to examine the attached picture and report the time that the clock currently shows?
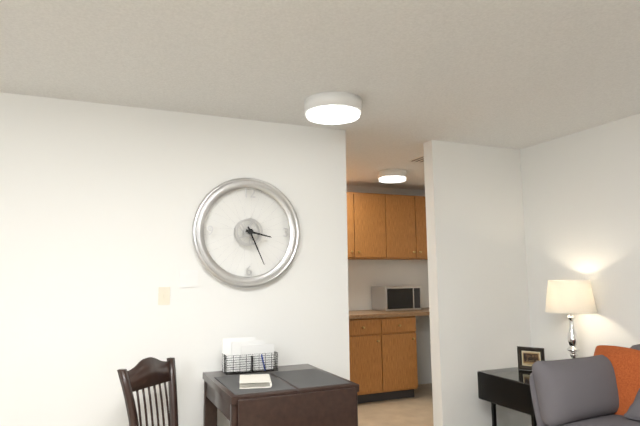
3:26
